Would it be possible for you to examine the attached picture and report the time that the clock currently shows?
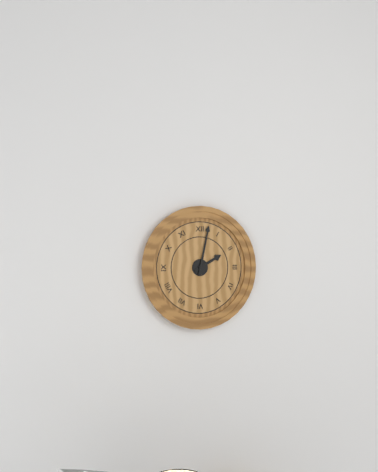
2:02
